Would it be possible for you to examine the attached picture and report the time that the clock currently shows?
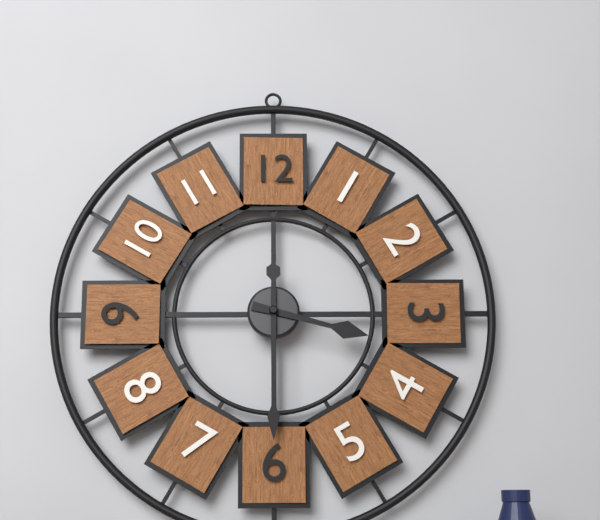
3:30
